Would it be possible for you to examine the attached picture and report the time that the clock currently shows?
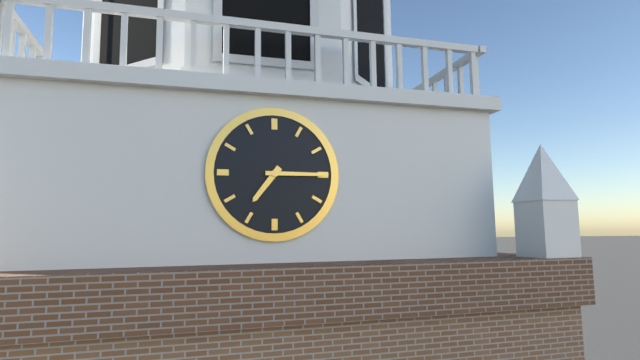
7:15
